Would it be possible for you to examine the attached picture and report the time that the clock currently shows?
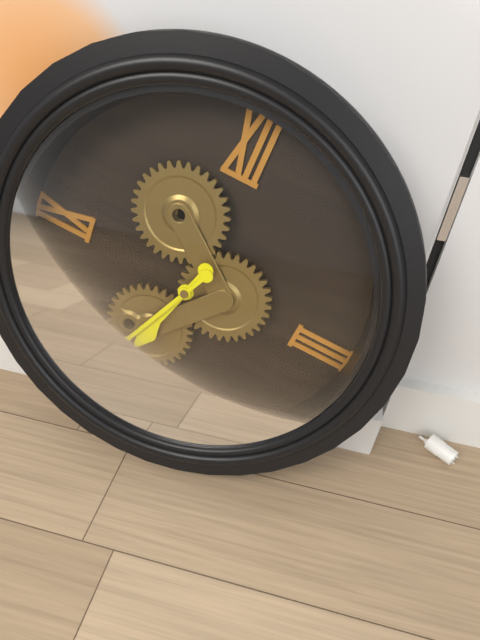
6:34
